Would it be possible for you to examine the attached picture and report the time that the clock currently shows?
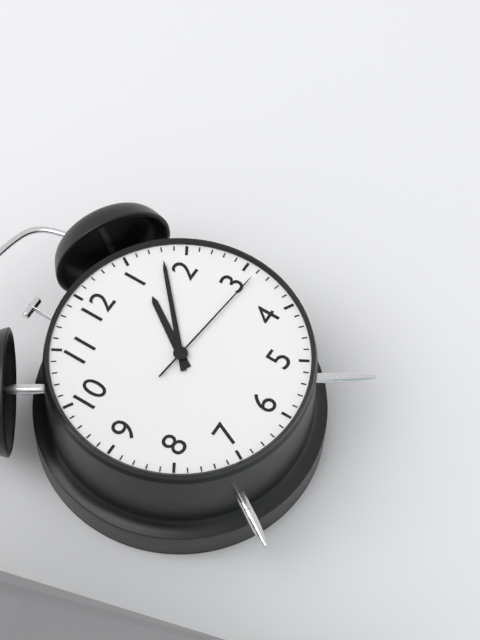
1:08:16
